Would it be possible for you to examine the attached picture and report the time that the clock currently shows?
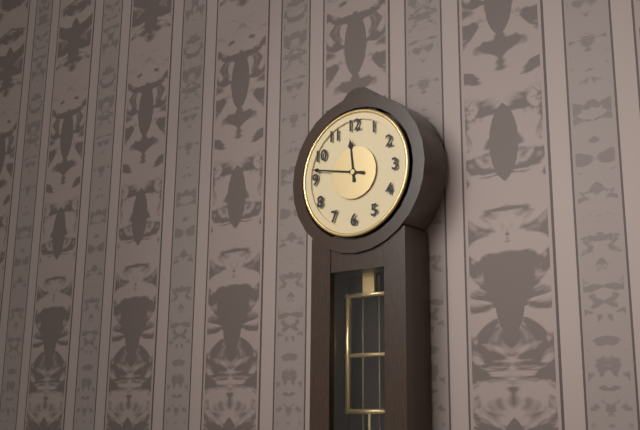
11:47
